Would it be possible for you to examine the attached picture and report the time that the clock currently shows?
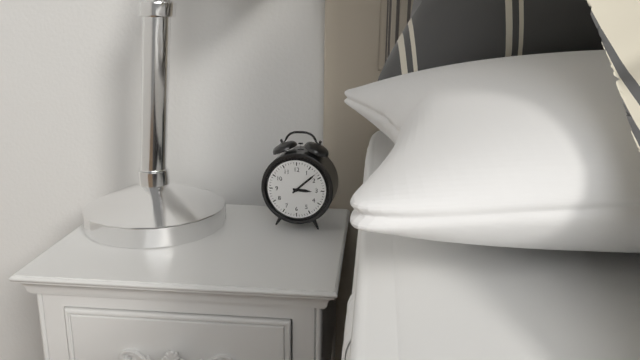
3:08
